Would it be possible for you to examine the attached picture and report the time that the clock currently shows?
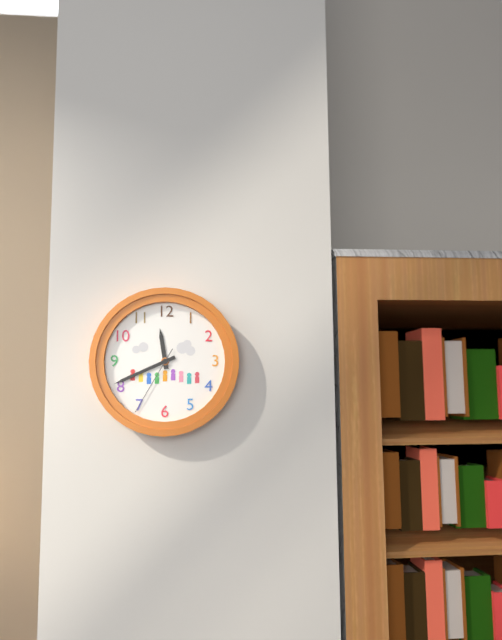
11:41:35
